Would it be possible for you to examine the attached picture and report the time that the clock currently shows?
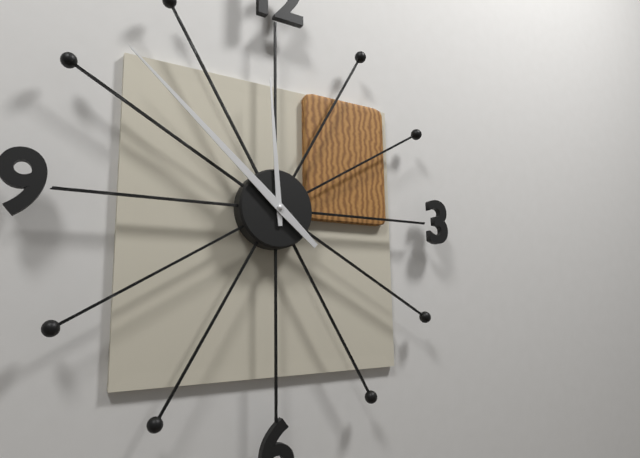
11:52
